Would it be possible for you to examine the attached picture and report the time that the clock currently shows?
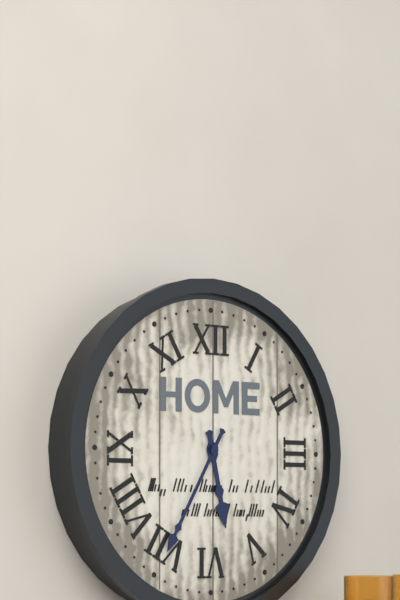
5:35
